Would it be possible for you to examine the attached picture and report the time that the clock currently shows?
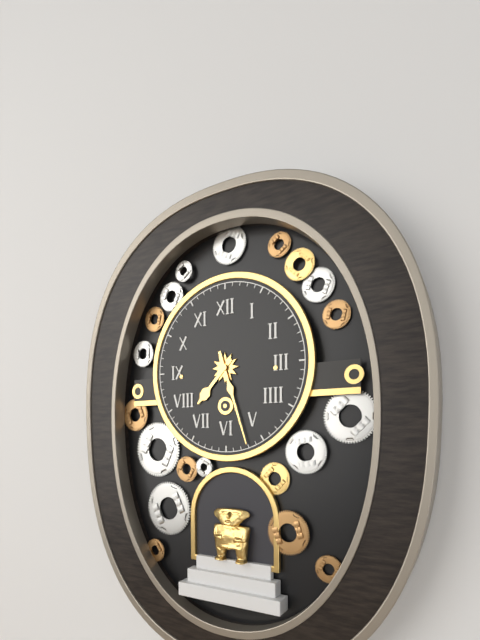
7:27
